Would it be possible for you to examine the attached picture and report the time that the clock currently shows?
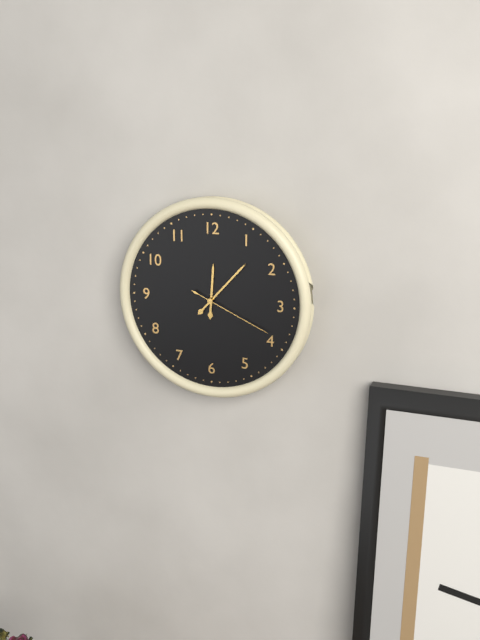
12:07:19
